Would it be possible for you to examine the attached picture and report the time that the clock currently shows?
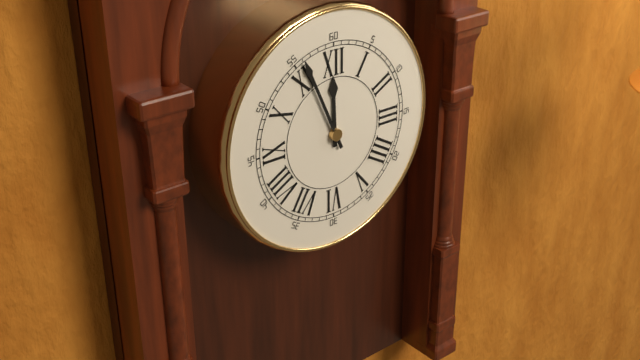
11:56
